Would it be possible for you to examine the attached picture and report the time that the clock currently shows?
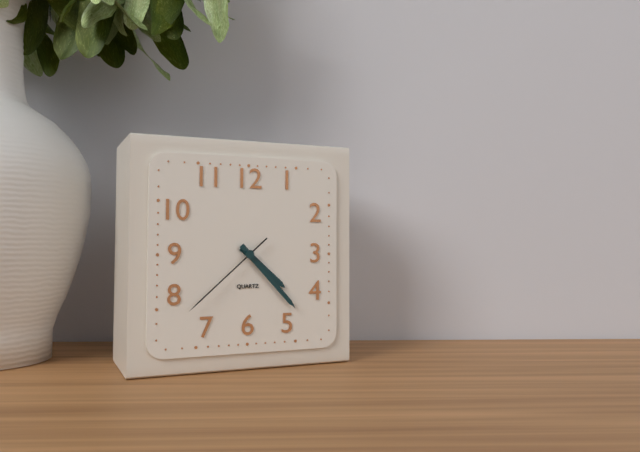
4:23:38
